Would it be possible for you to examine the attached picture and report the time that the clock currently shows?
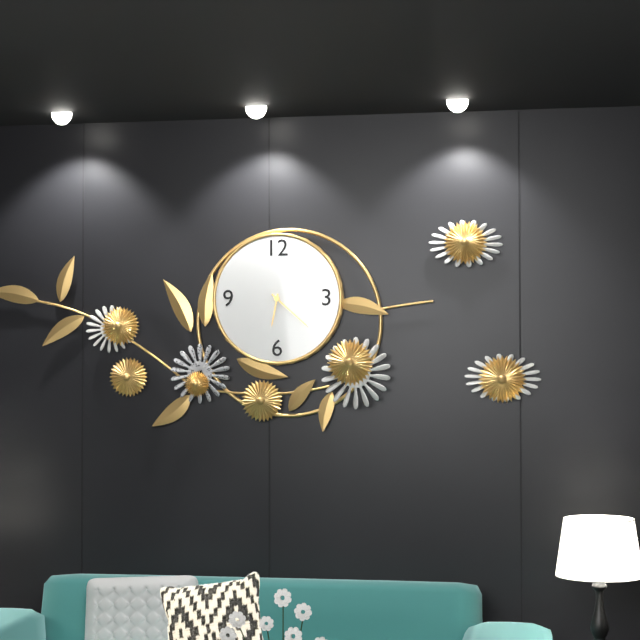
6:22
